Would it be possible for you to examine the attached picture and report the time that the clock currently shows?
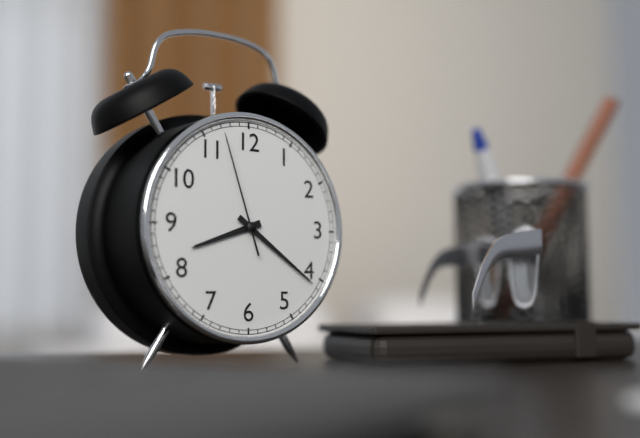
8:21:57
